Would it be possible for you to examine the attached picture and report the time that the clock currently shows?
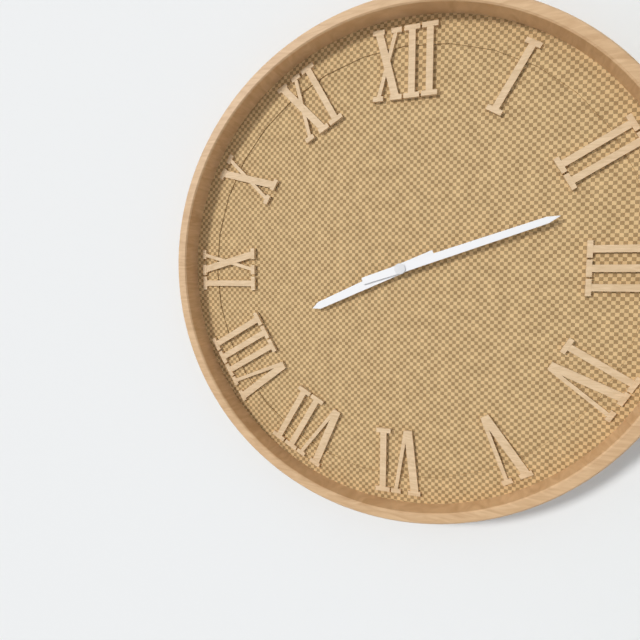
8:12
